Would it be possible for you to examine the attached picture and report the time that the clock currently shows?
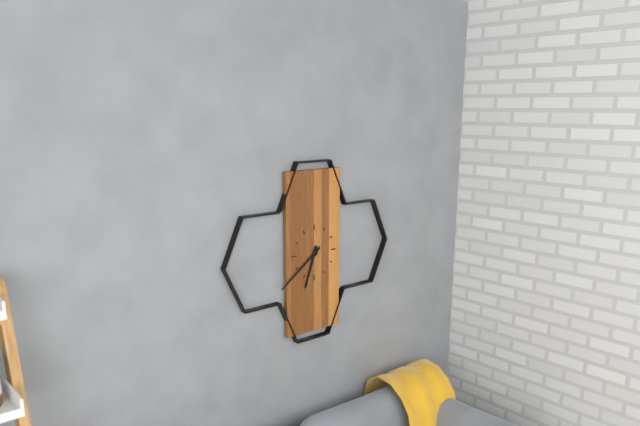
6:39
